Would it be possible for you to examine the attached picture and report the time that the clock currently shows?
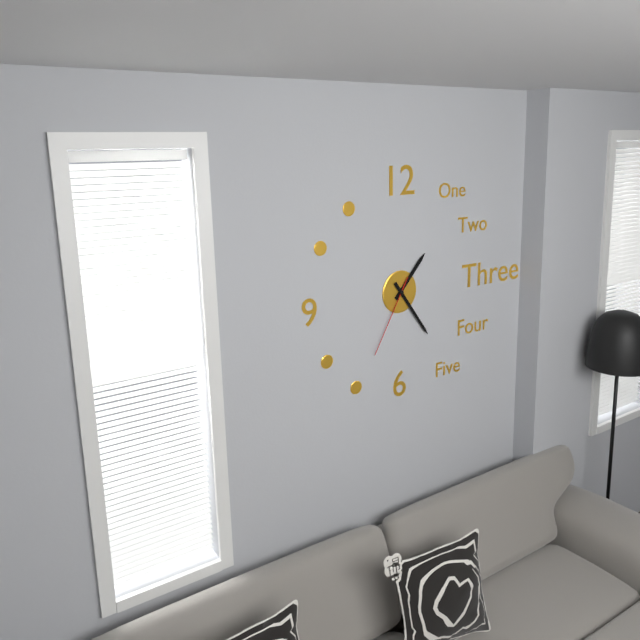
1:24:35
